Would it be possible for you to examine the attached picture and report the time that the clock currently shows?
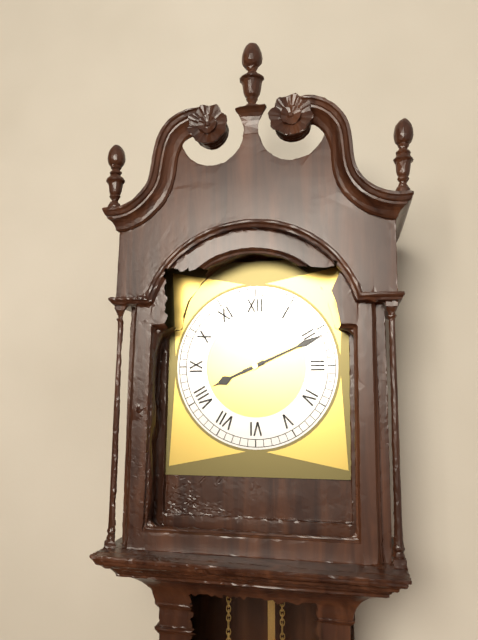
8:11
